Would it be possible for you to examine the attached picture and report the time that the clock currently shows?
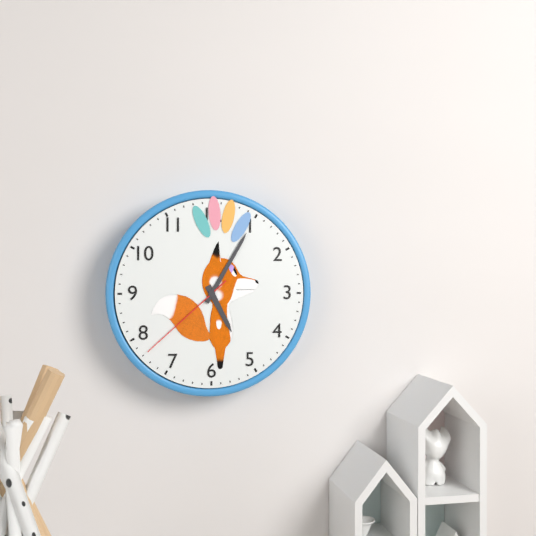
5:05:38
